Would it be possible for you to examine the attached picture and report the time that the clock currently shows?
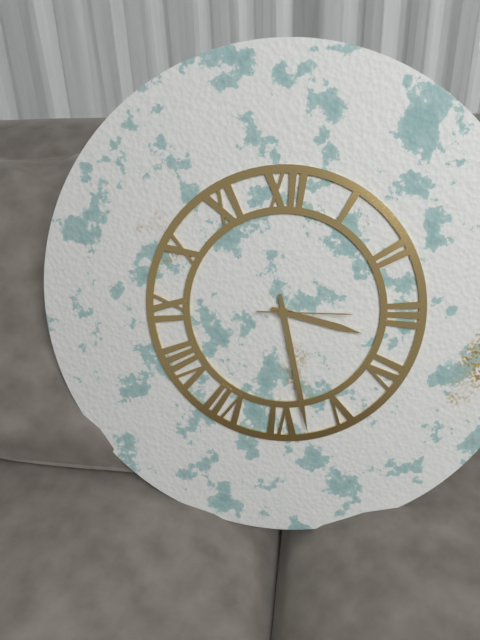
3:28:15
